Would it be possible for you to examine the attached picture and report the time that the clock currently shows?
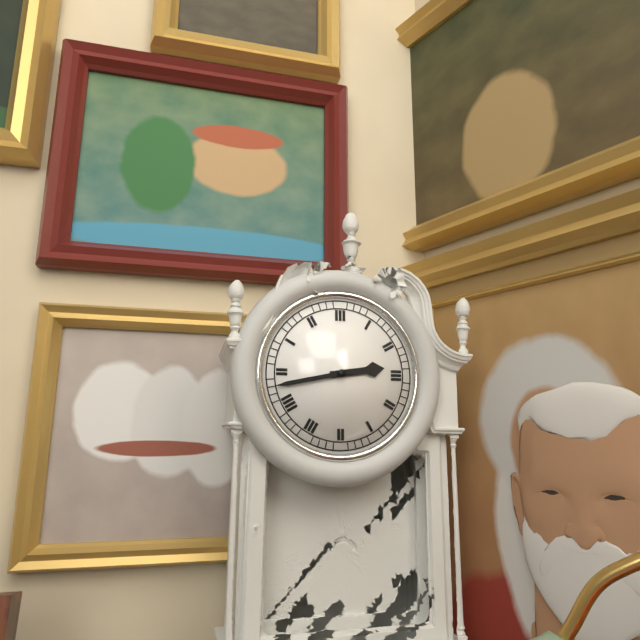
2:43
